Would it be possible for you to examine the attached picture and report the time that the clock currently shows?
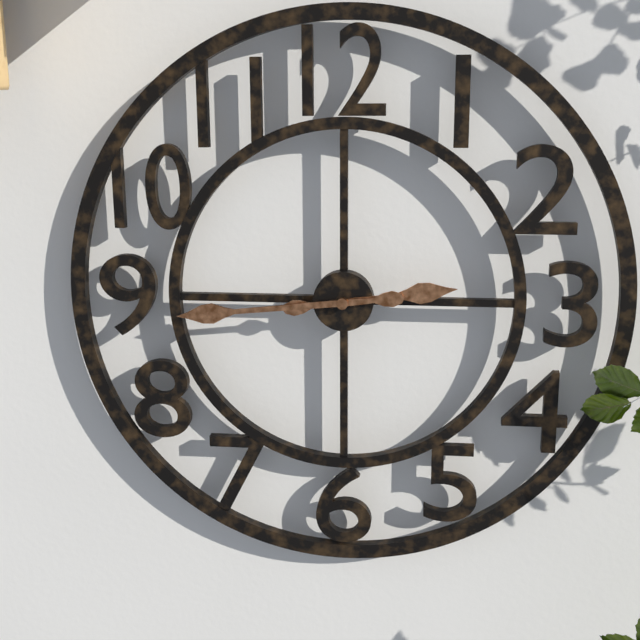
2:44
